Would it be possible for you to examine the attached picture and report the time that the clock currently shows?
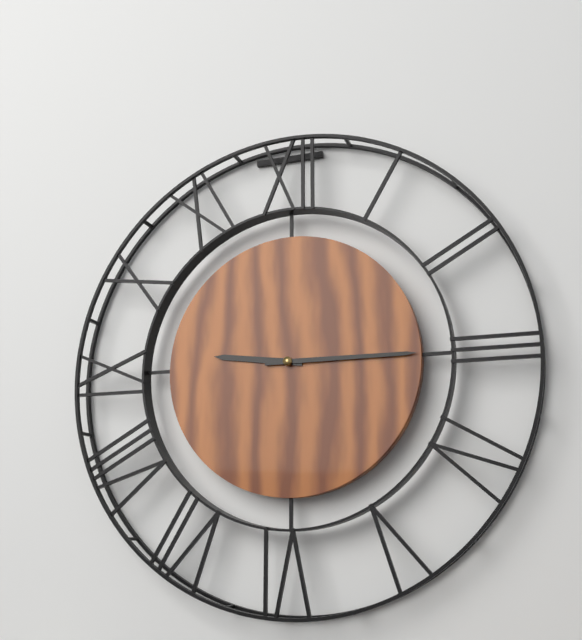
9:15
